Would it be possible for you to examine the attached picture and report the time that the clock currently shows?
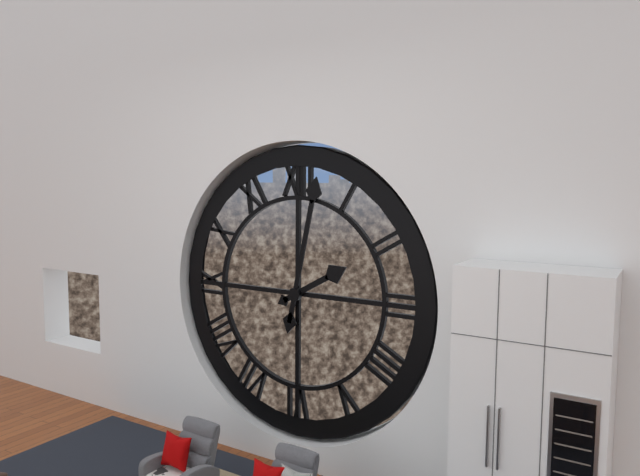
2:02
